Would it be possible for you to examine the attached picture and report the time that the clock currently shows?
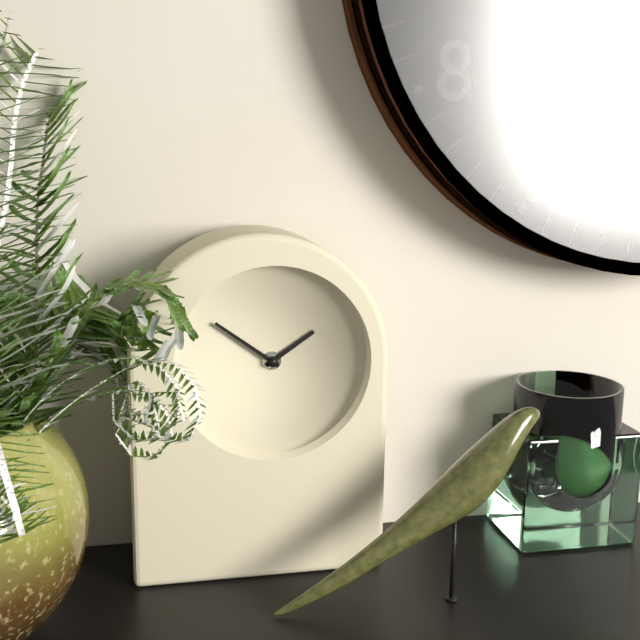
1:51
